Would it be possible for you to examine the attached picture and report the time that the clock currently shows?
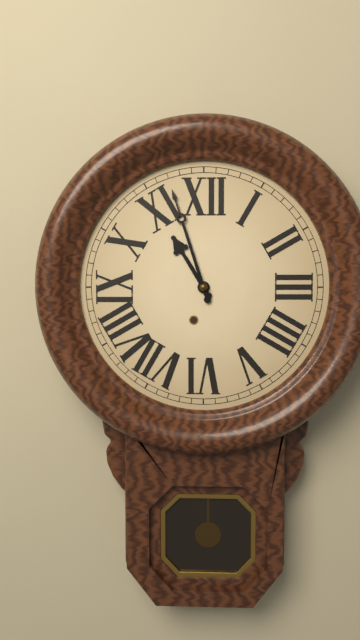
10:57
